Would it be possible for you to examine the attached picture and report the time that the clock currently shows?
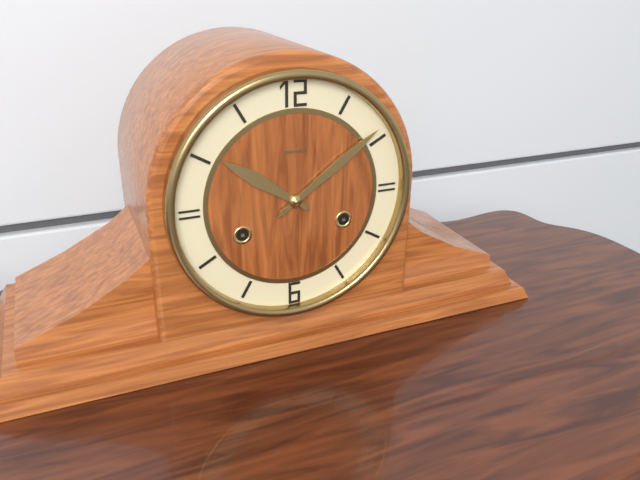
10:09
